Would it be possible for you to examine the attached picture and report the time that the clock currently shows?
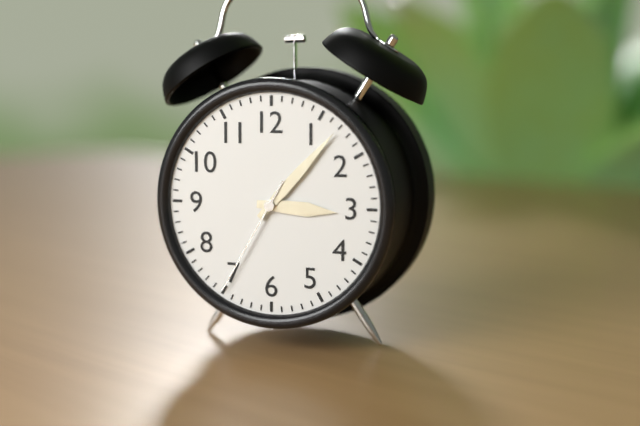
3:07:35
